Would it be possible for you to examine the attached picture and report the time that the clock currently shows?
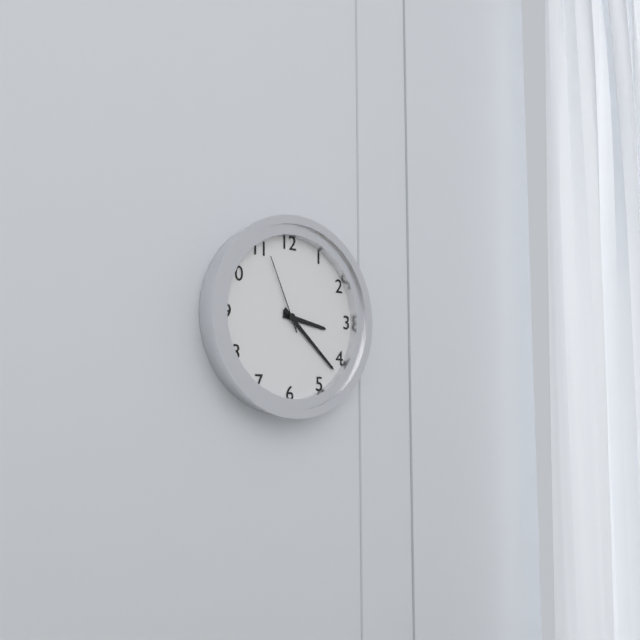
3:22:56
